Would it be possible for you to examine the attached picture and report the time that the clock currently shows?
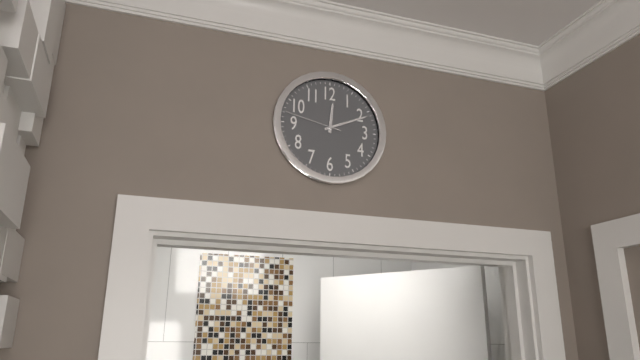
12:11:47
